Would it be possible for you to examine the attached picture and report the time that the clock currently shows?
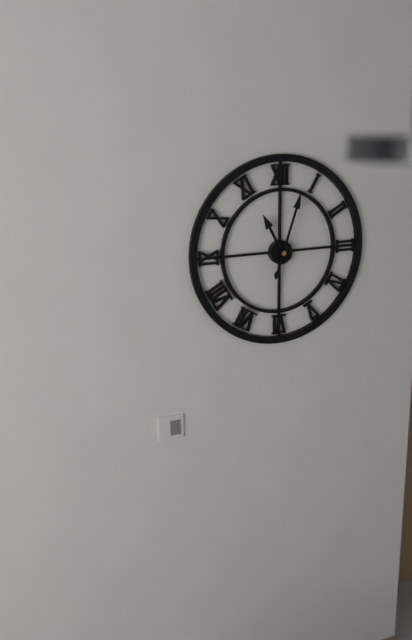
11:03
